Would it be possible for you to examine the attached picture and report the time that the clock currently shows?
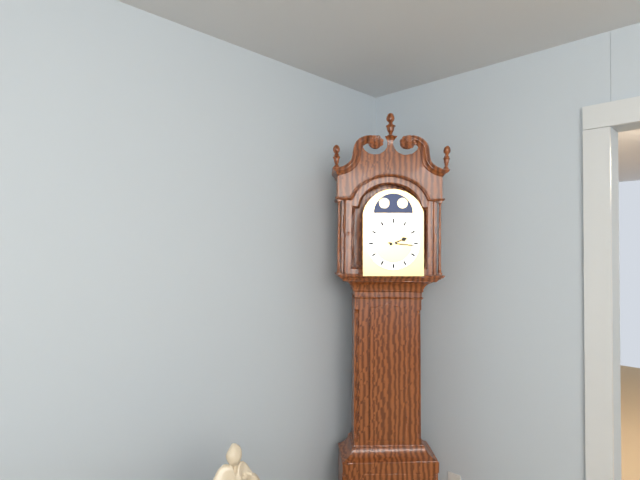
2:16
